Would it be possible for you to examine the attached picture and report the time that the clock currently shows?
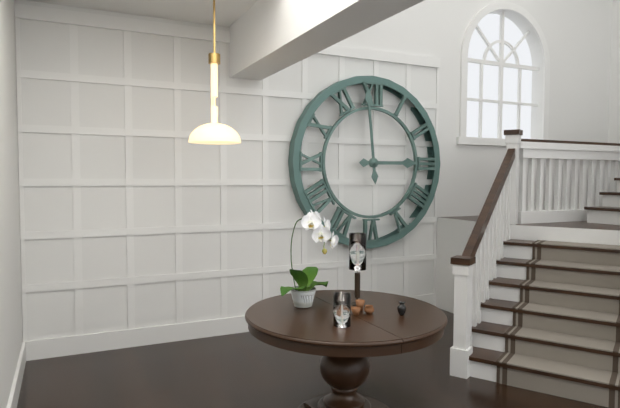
2:59
